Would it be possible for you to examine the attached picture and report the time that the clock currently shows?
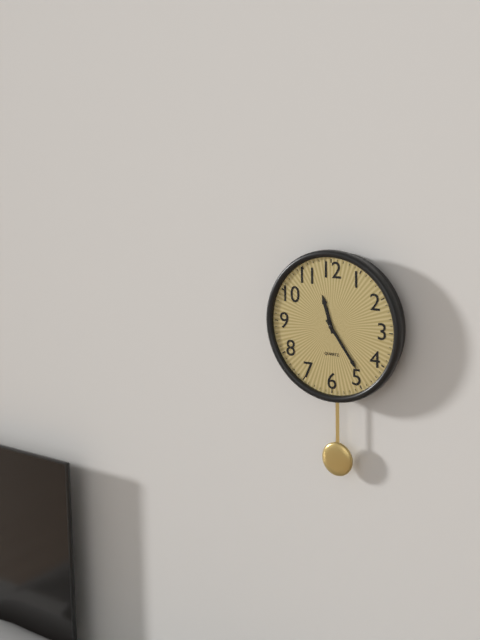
11:24
